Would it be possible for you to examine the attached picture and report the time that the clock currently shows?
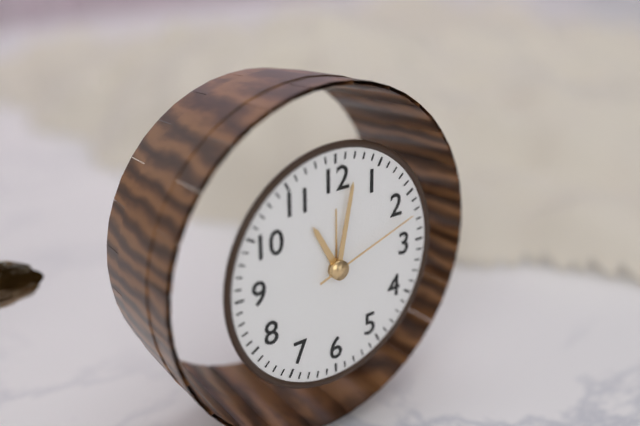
11:02:12
